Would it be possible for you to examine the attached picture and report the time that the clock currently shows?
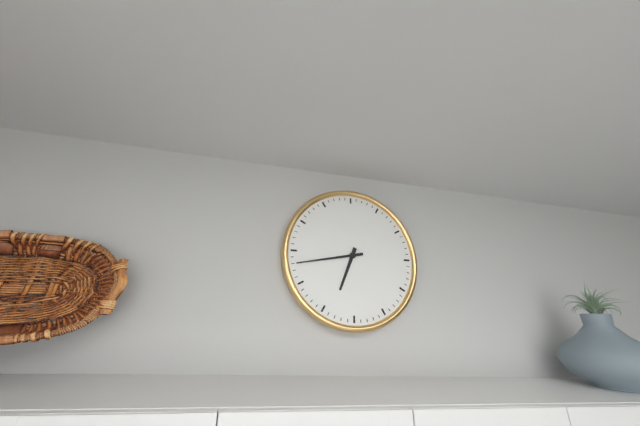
6:43
